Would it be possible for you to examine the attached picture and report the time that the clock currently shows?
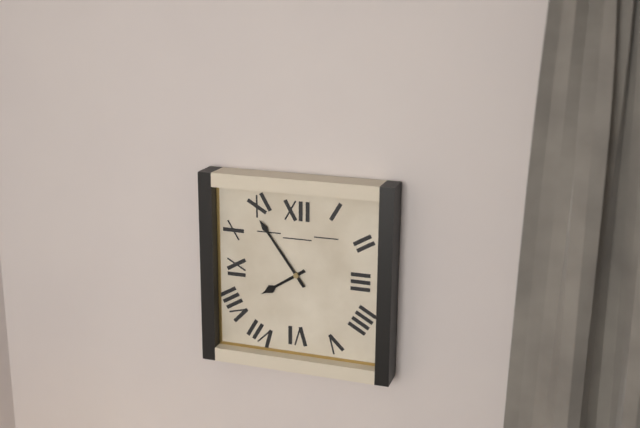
7:54
